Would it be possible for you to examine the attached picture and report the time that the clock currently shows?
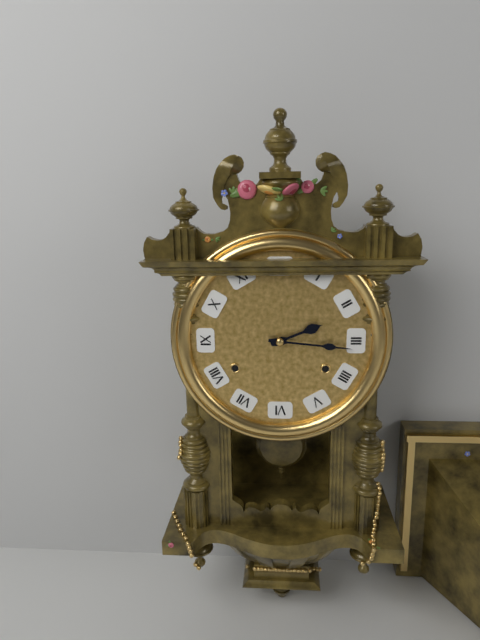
2:16
